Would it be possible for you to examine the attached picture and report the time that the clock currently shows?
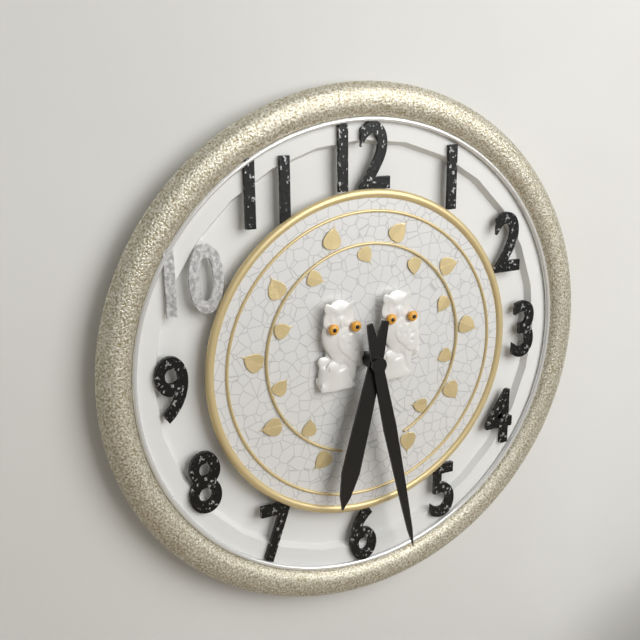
6:28
